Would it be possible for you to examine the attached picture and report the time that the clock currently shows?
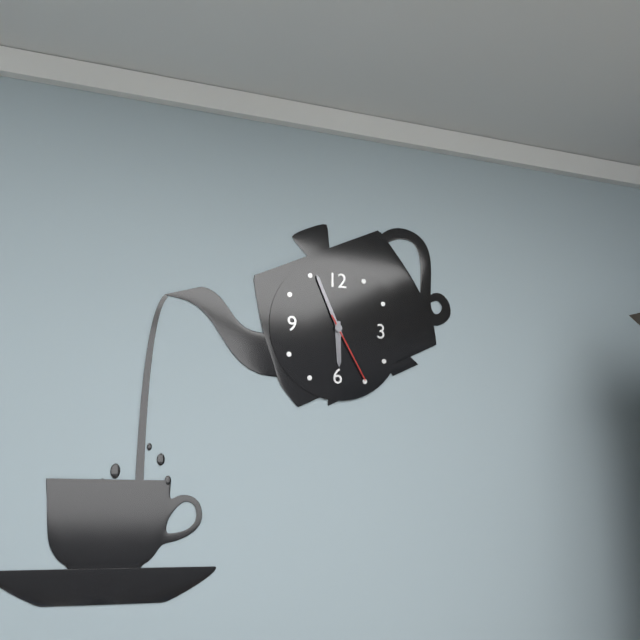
5:56:25
